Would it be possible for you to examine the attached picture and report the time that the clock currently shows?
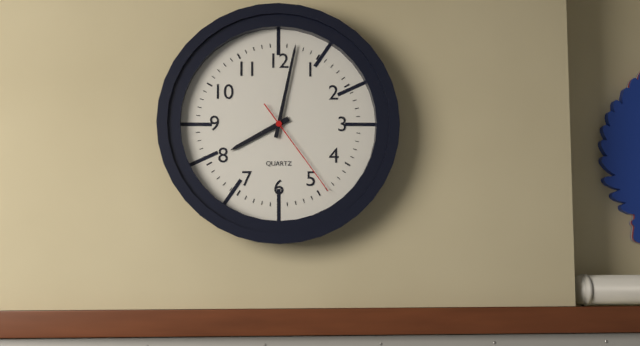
8:02:24
